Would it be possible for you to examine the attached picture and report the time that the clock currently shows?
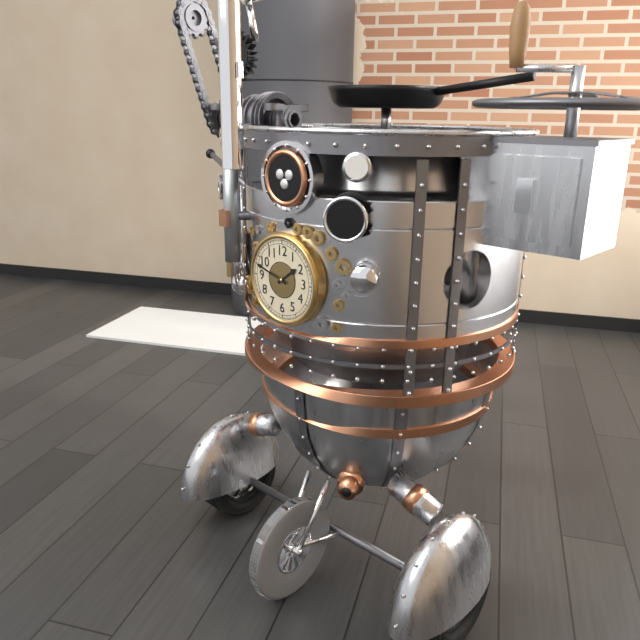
1:48
